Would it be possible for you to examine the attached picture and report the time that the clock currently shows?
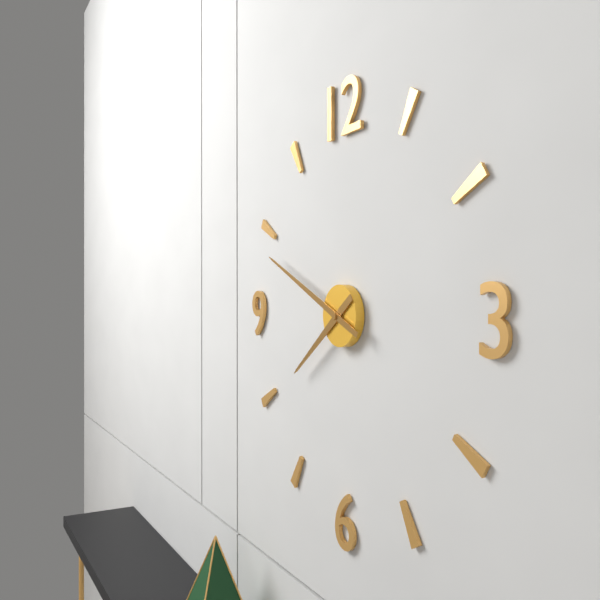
7:49
